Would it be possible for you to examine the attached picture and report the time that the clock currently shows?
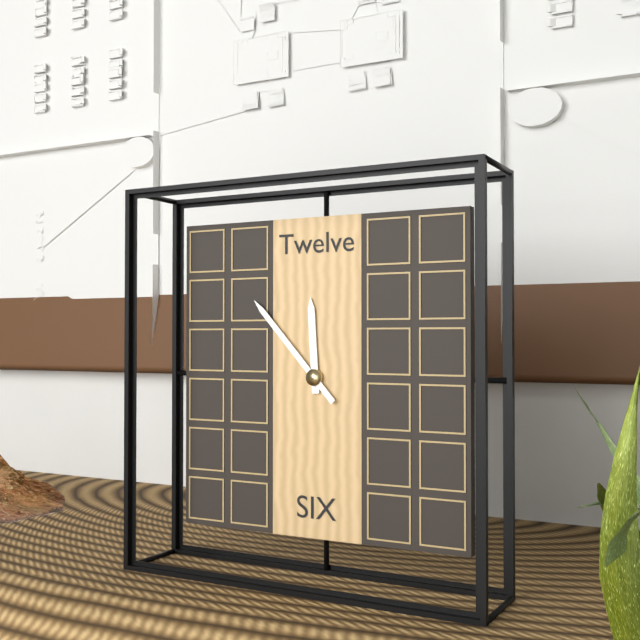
11:53
